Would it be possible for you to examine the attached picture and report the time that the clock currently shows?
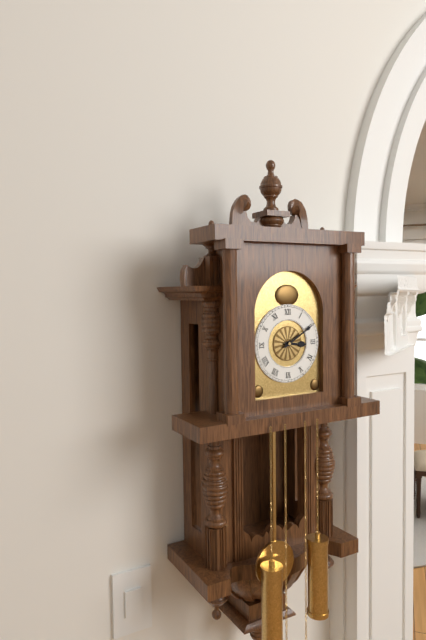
3:10
